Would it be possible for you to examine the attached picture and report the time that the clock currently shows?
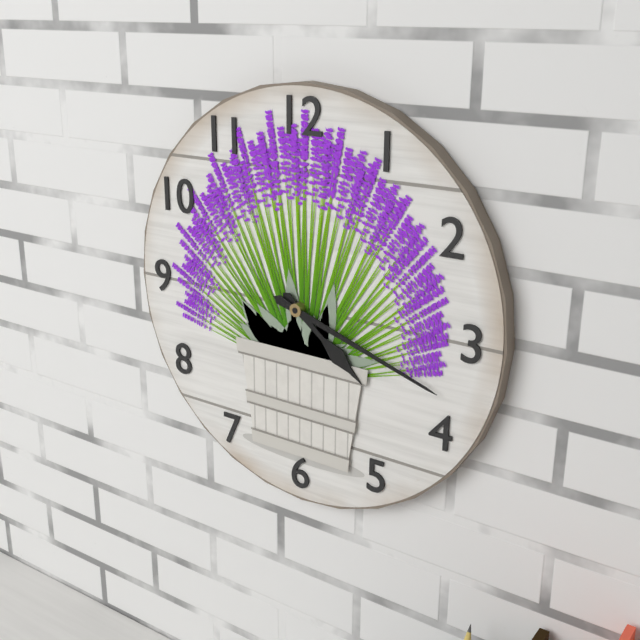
4:18
